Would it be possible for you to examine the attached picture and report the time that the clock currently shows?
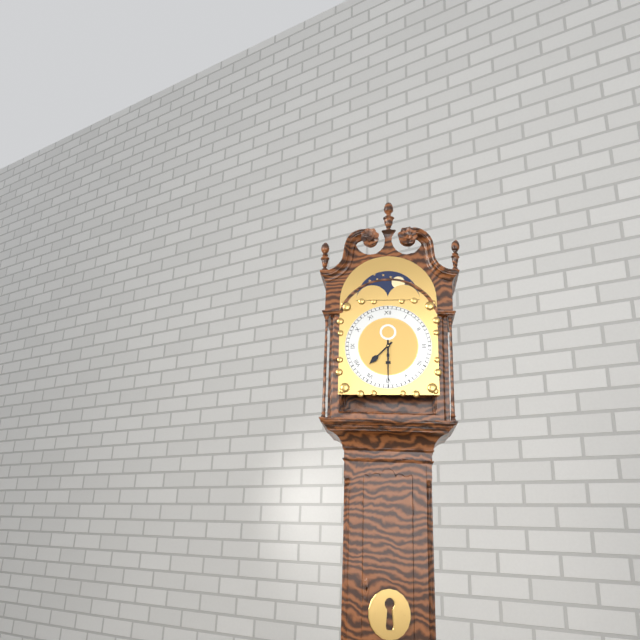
7:30
